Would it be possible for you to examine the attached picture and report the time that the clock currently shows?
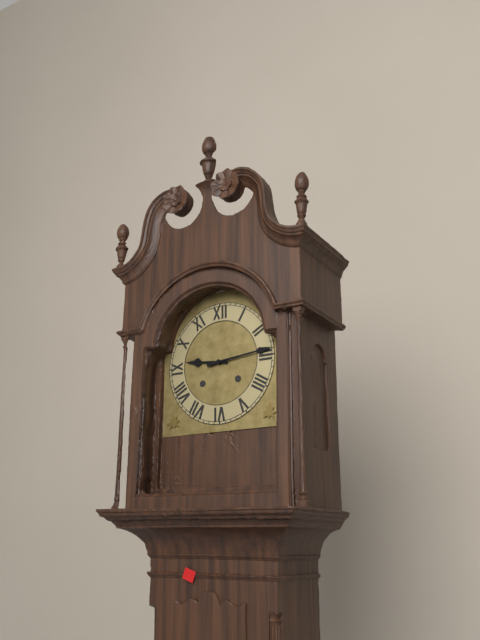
9:14
